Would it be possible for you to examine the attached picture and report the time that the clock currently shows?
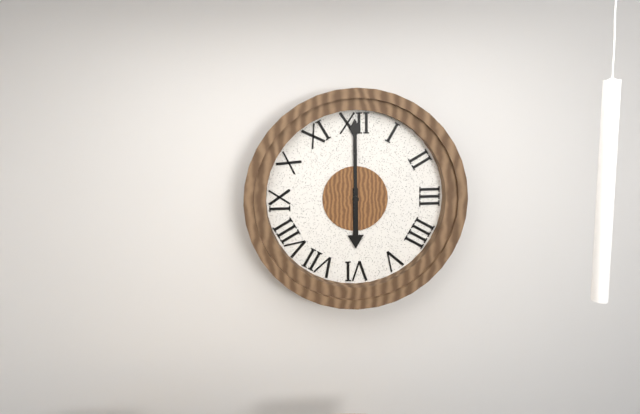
6:00
